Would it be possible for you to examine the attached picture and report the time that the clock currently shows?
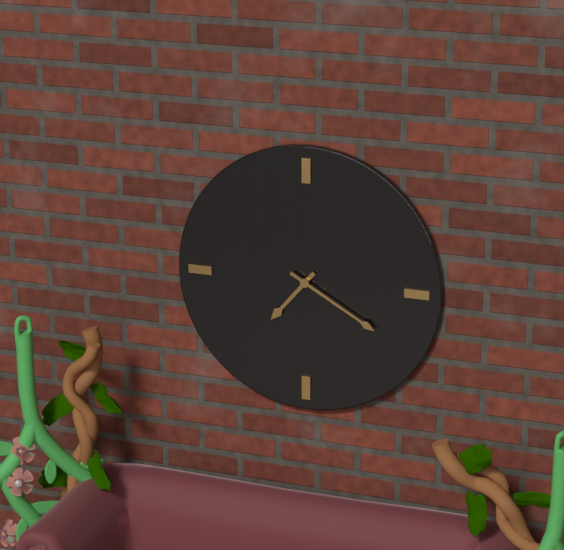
7:20
